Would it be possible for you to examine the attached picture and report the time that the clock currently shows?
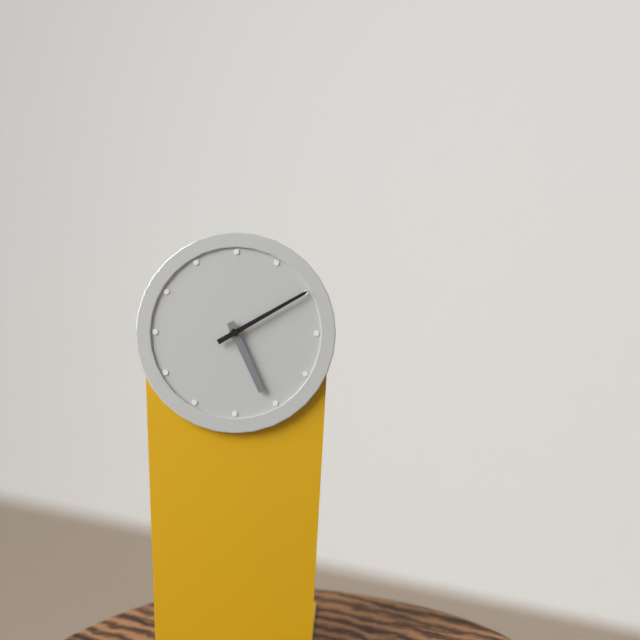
5:10
